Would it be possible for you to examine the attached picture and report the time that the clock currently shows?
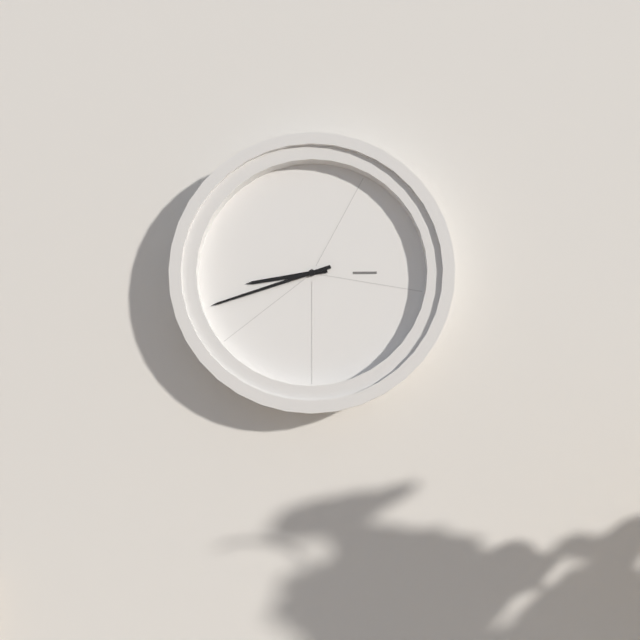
8:42
